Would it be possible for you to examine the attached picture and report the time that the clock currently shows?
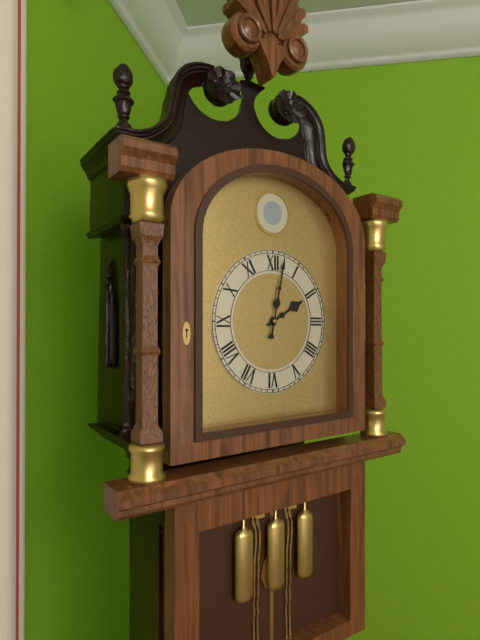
2:02
